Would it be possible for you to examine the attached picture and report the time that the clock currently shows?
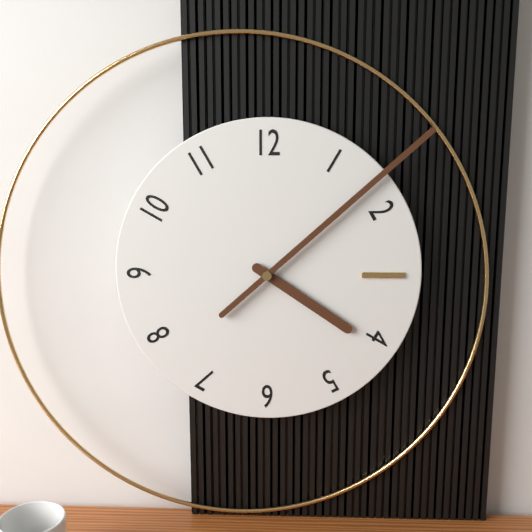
4:08
